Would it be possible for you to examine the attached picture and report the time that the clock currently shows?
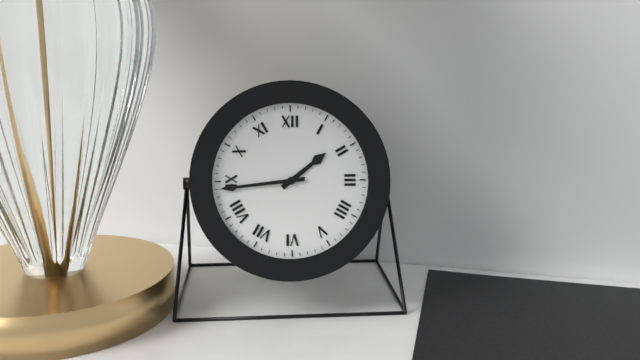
1:44
